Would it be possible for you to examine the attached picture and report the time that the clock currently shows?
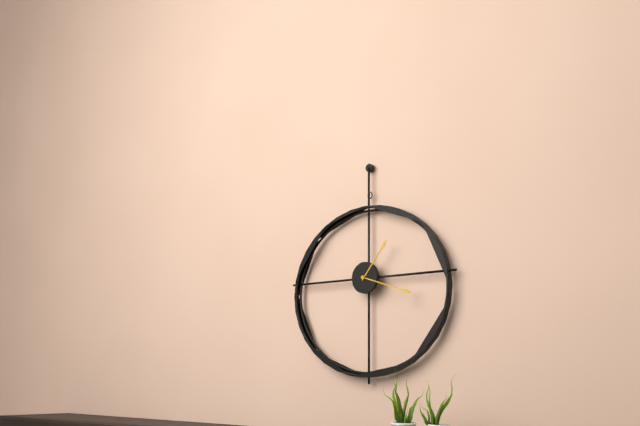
1:18
